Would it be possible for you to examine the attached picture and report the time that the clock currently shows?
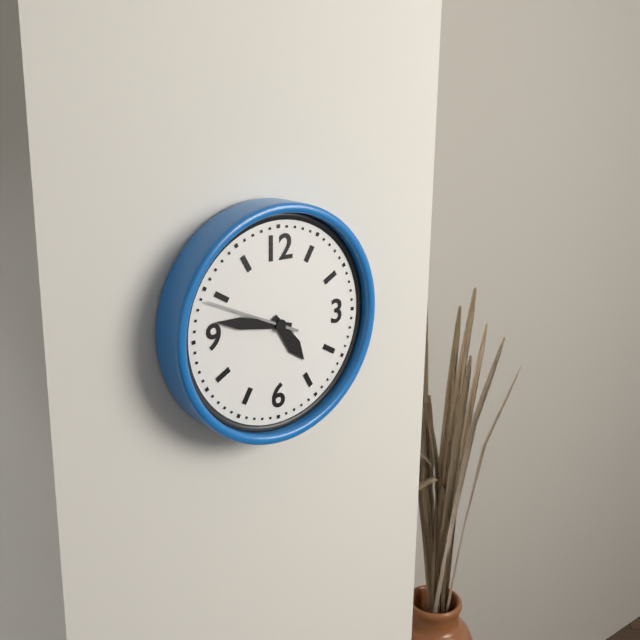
4:47:49
